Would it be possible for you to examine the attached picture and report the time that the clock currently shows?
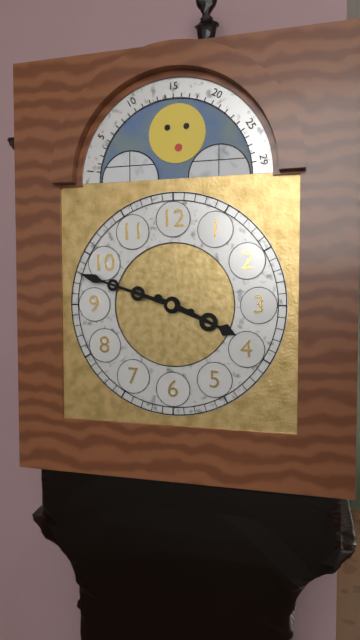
3:48
